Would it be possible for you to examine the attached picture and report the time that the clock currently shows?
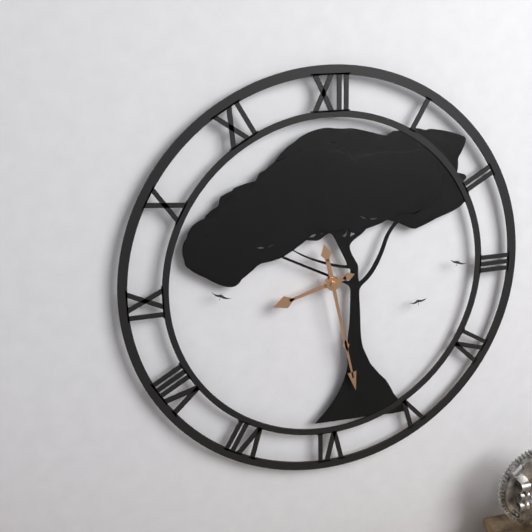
8:28
